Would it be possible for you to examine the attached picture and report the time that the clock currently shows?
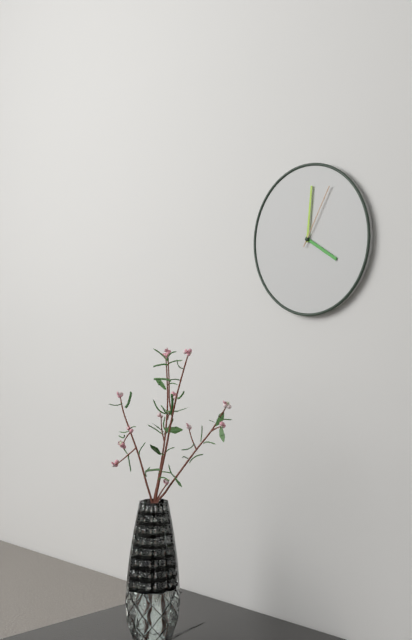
4:01:05
